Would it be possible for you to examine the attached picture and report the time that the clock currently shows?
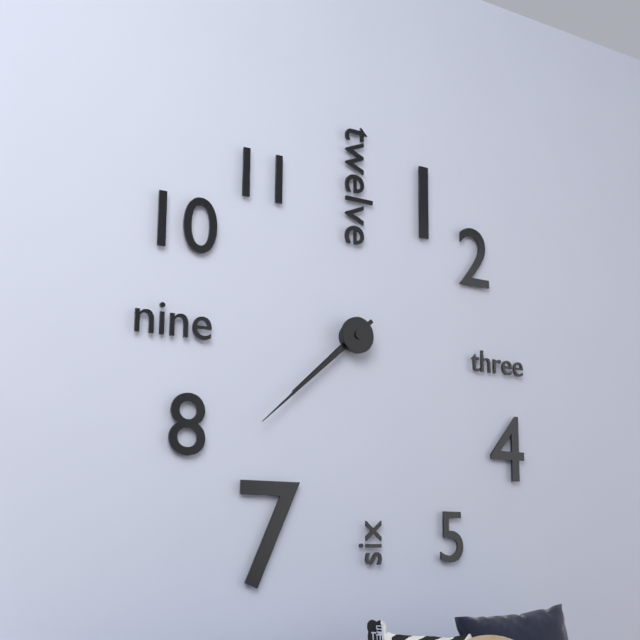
7:38
